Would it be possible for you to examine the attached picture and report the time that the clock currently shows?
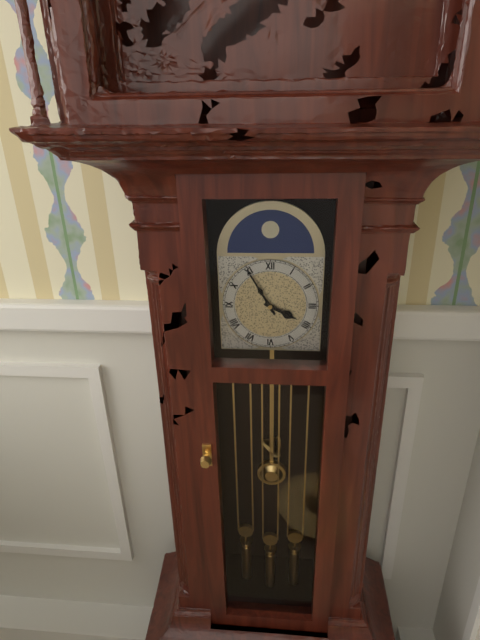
3:55
